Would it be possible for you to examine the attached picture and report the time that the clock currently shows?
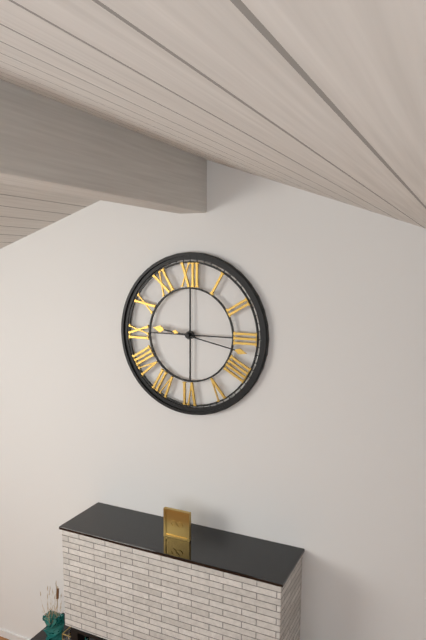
9:17
